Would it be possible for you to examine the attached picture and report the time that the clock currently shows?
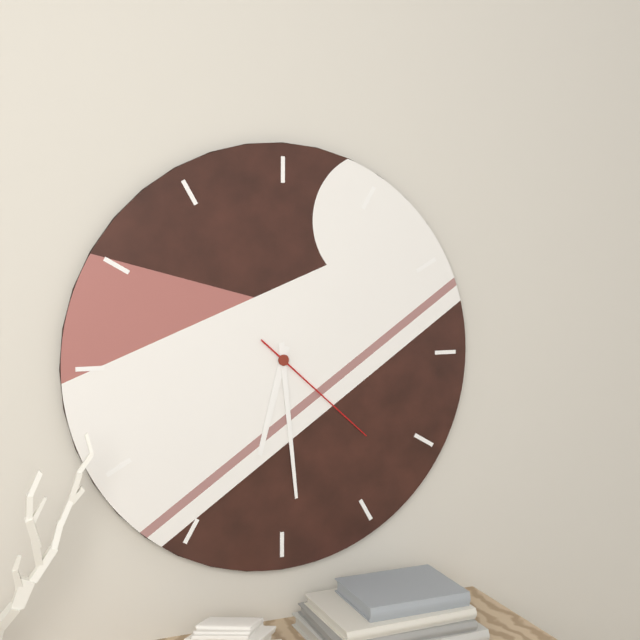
6:29:22
